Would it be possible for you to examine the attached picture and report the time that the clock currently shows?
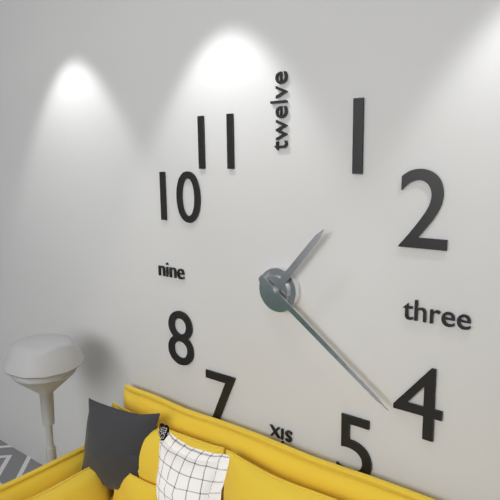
1:21
